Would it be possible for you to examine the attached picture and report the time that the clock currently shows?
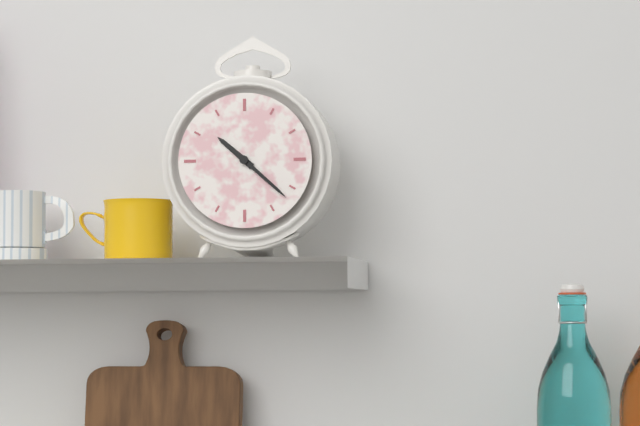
10:22
